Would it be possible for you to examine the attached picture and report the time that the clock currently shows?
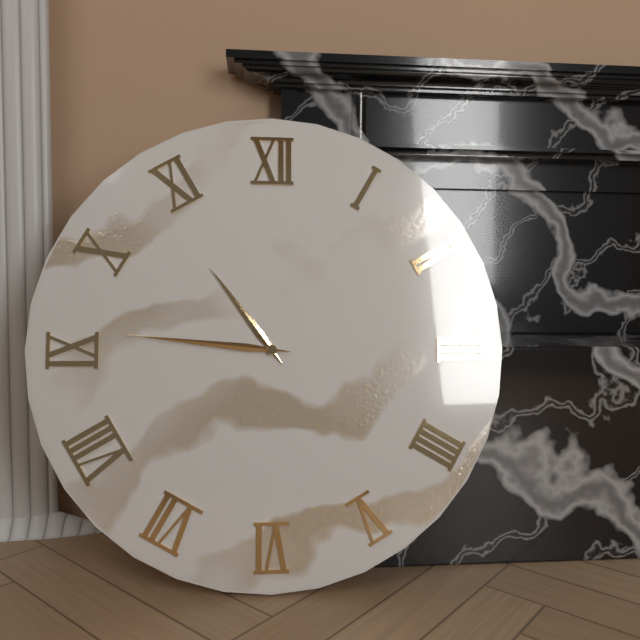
10:46
